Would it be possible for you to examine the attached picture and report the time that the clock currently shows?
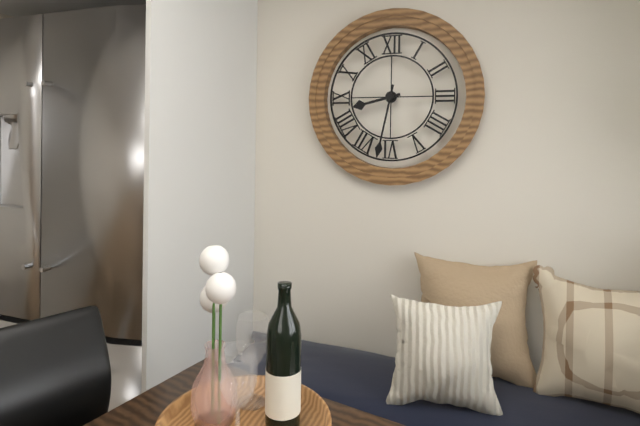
8:32
